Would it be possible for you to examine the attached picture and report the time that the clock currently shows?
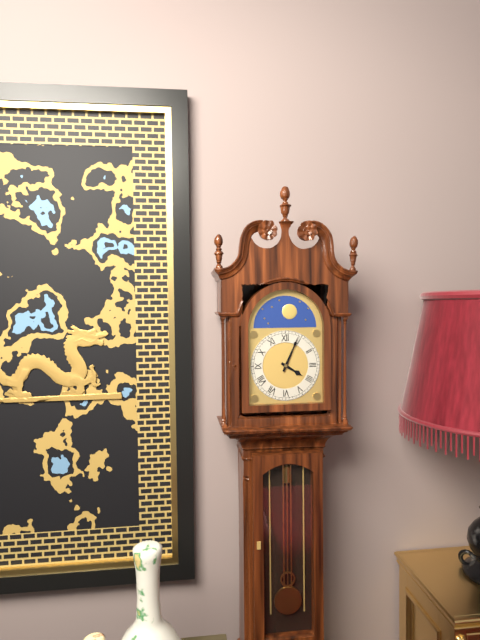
4:04
